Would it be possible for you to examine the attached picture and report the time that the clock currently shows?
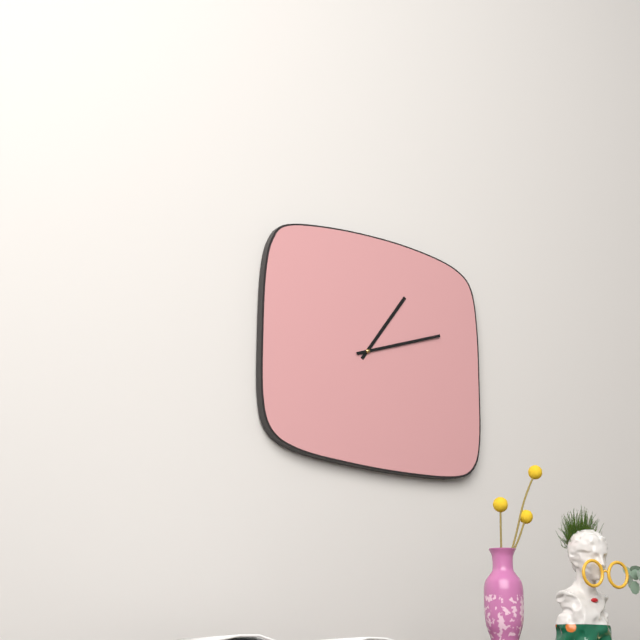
1:12
